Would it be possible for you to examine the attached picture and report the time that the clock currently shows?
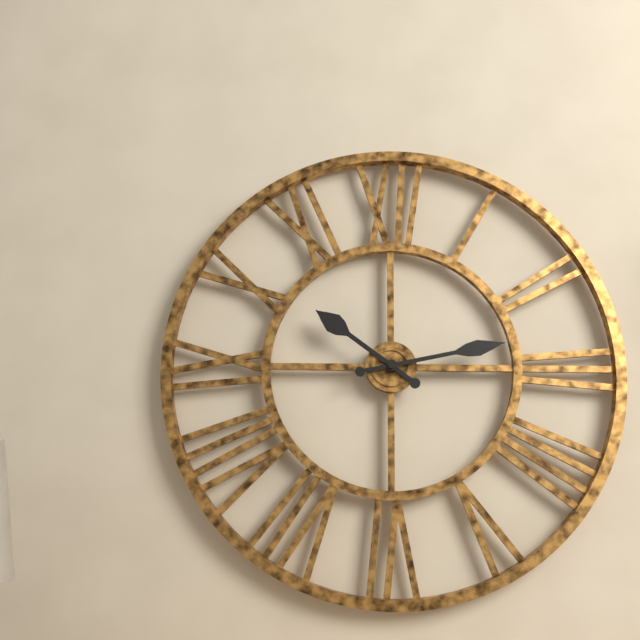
10:13
